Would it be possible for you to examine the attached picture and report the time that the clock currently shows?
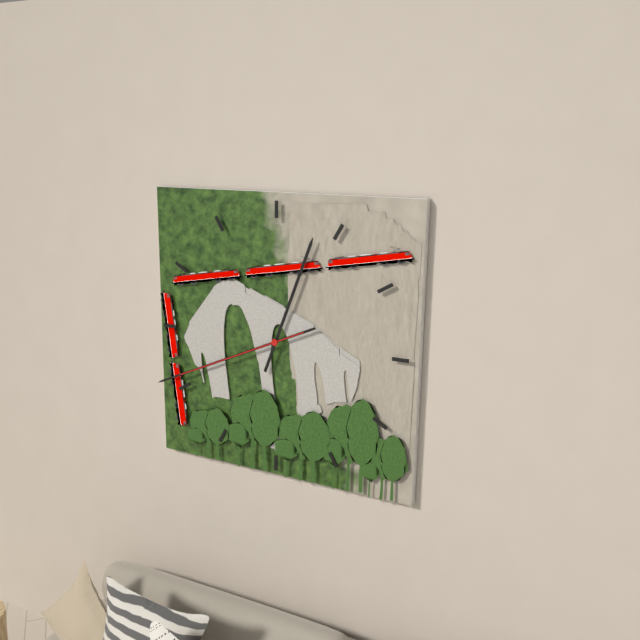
12:41:41
